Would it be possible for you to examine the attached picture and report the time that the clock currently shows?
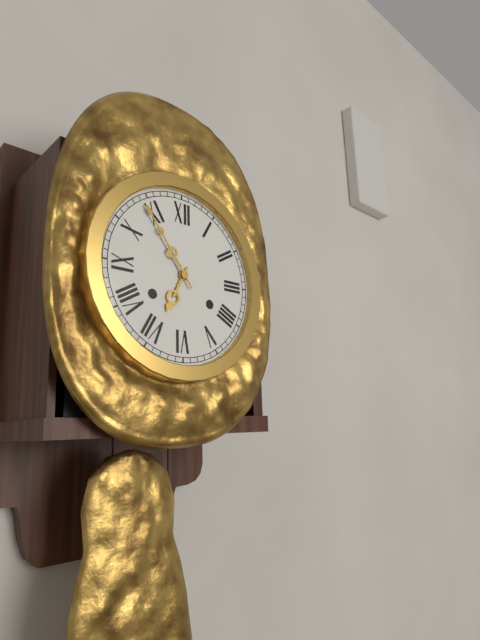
6:54
